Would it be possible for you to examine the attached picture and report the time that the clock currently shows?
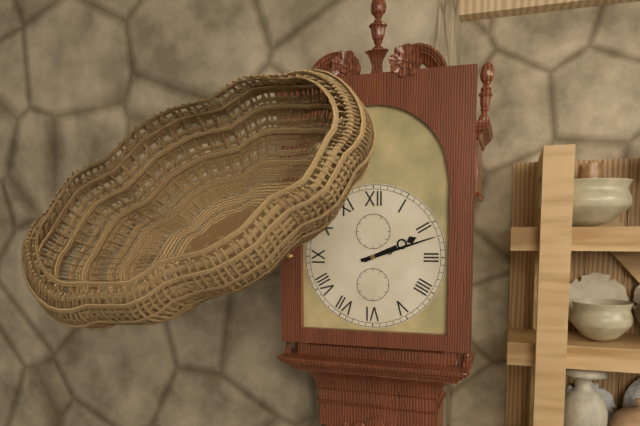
2:12
